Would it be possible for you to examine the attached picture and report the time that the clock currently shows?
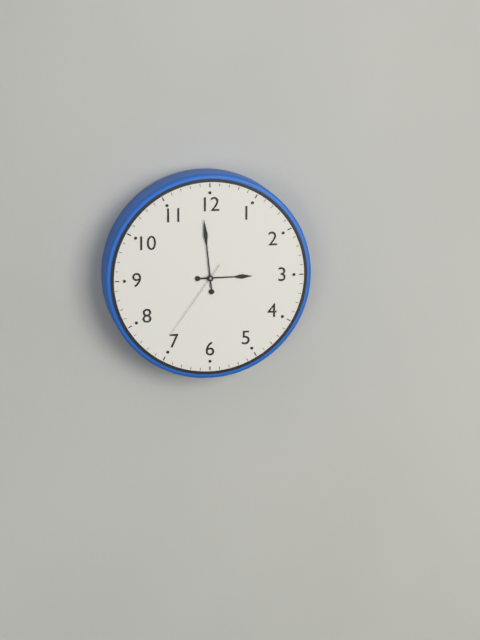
2:59:36
